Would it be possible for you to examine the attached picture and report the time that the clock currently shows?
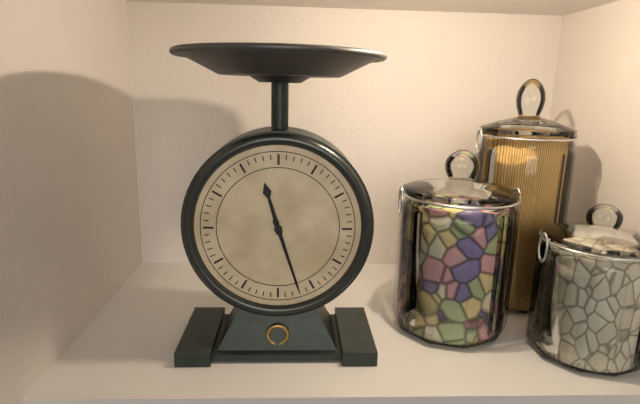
11:27
